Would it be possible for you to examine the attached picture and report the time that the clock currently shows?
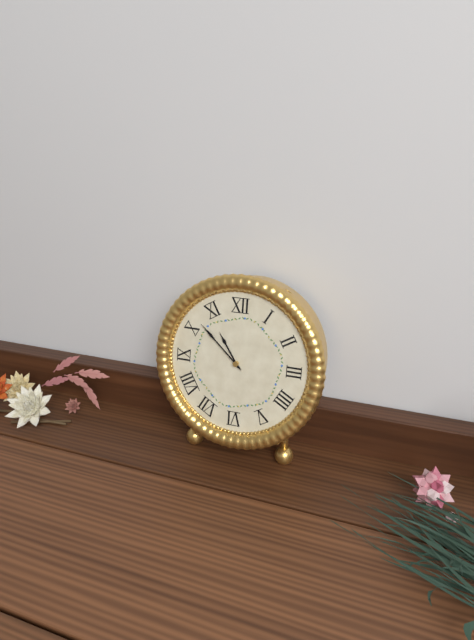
10:52
